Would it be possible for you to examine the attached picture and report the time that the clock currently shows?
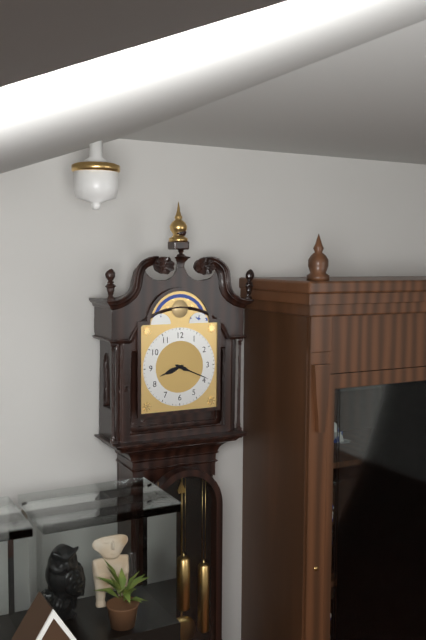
8:19
